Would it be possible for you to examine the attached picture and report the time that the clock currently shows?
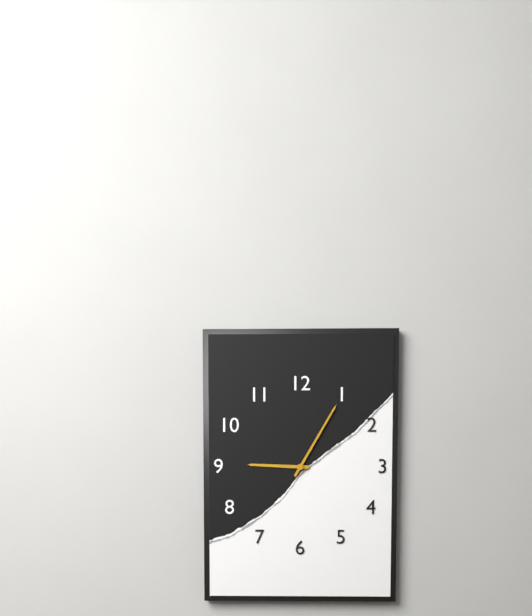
9:05
